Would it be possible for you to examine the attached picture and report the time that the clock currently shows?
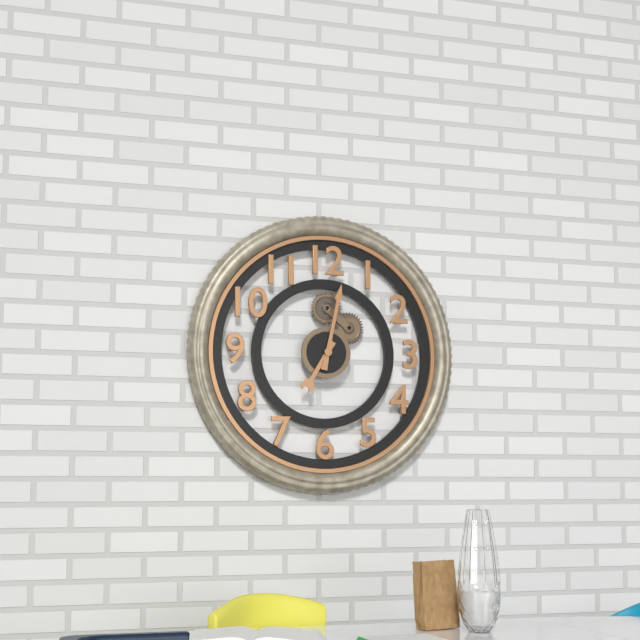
7:02
